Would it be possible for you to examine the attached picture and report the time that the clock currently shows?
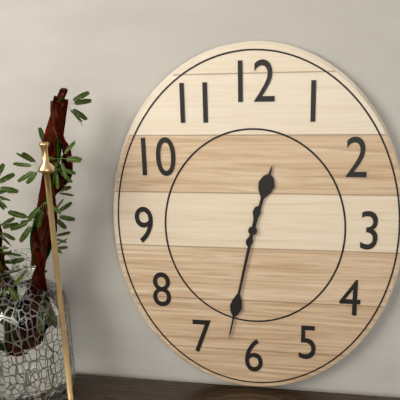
12:32
